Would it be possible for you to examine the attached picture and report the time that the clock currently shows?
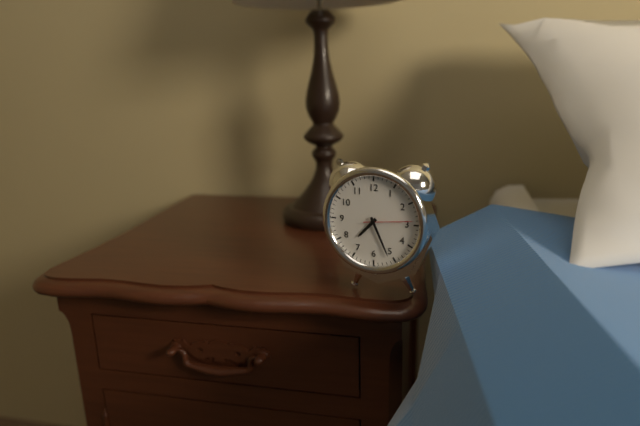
7:26:14
